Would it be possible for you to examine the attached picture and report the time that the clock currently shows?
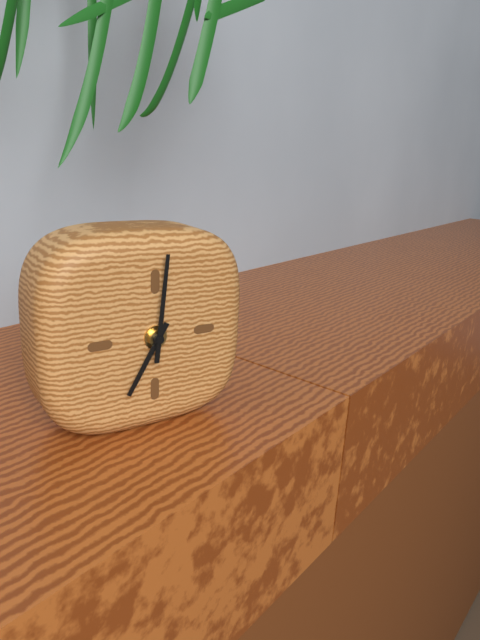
7:01
